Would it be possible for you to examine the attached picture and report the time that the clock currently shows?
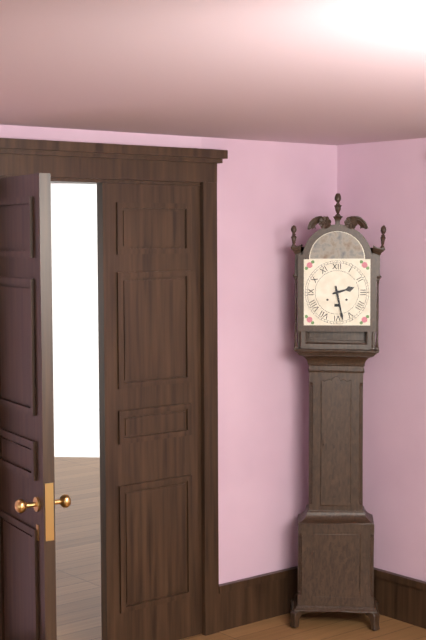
2:28
